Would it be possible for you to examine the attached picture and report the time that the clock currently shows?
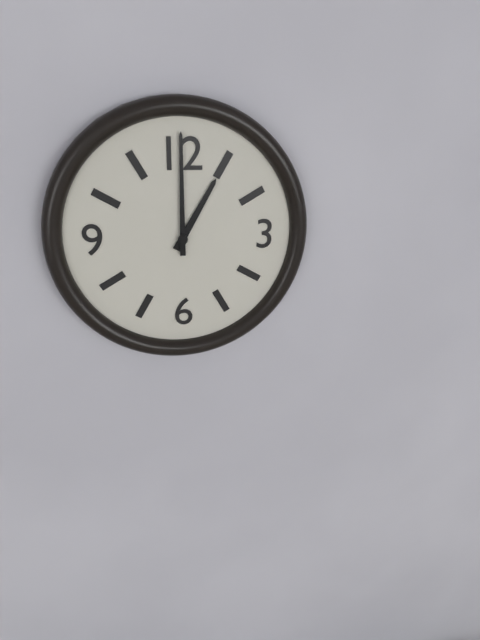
1:00
